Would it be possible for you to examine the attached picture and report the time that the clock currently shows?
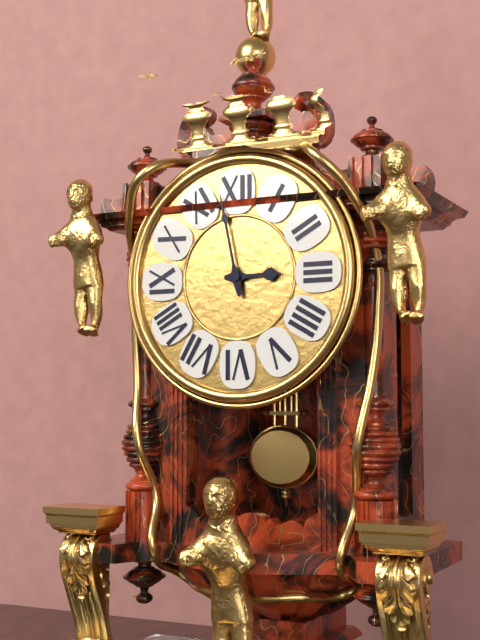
2:58
